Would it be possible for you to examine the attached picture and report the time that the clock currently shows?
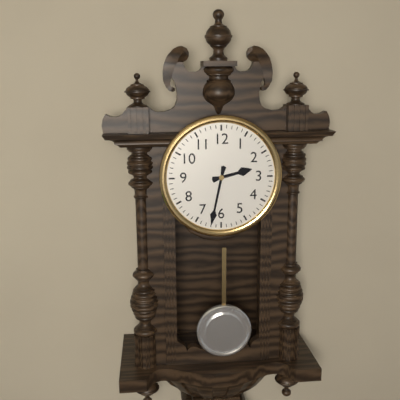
2:32
